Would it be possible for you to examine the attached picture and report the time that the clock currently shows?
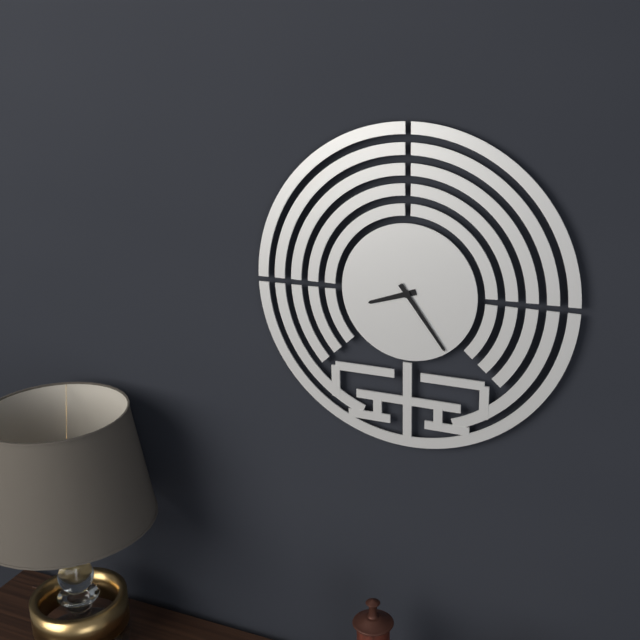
8:24
